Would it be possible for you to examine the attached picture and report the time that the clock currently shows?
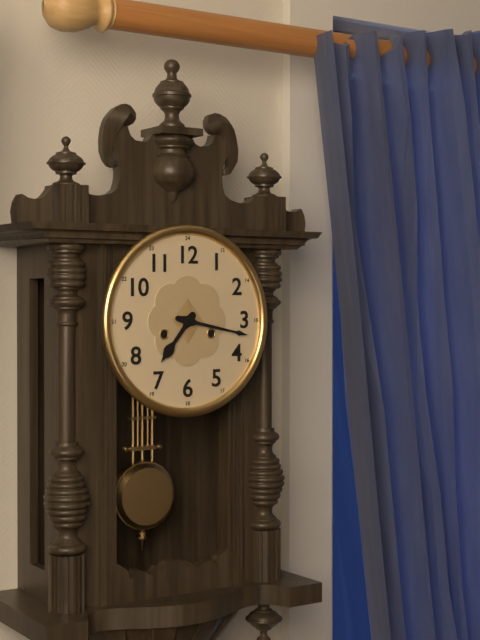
7:17
